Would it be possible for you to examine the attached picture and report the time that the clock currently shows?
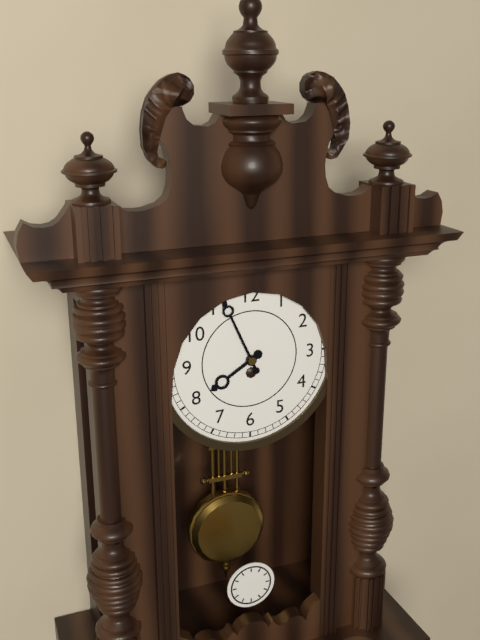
7:56
